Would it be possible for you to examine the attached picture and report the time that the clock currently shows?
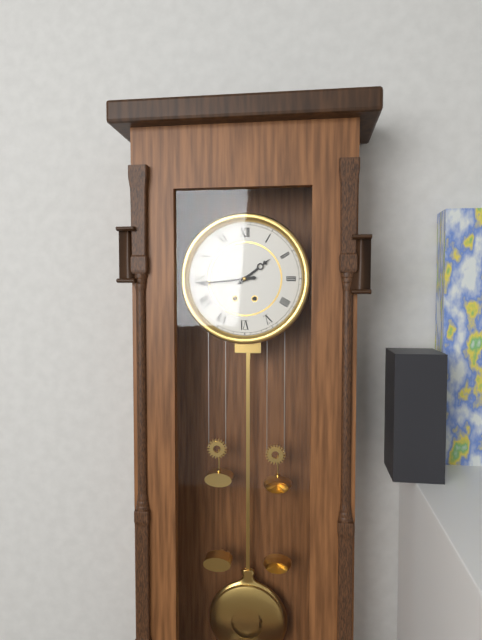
1:44
